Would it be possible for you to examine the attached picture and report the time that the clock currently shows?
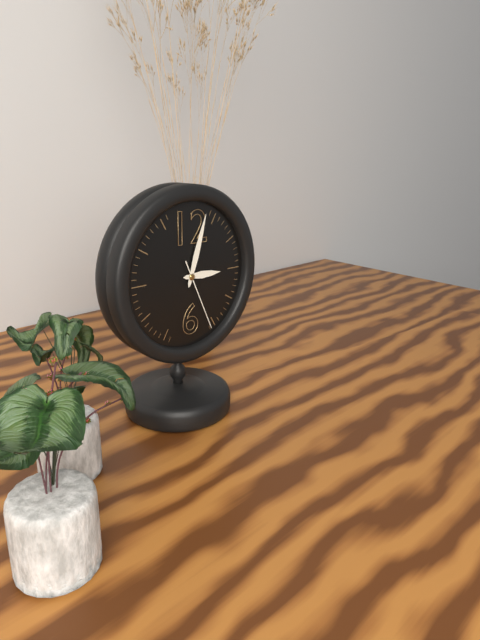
3:03:26
